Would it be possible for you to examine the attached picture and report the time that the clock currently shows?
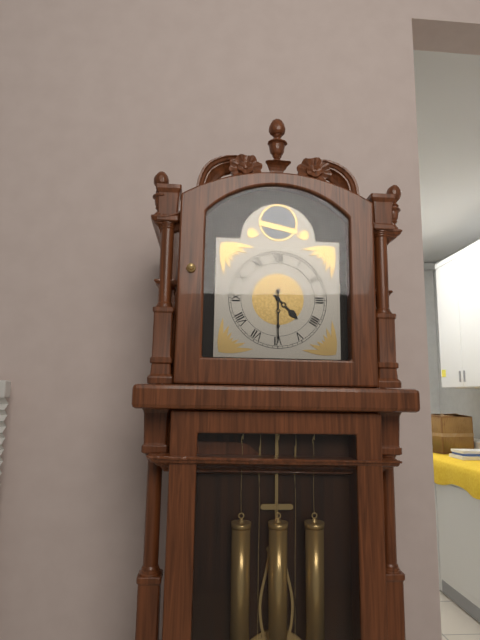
4:30
